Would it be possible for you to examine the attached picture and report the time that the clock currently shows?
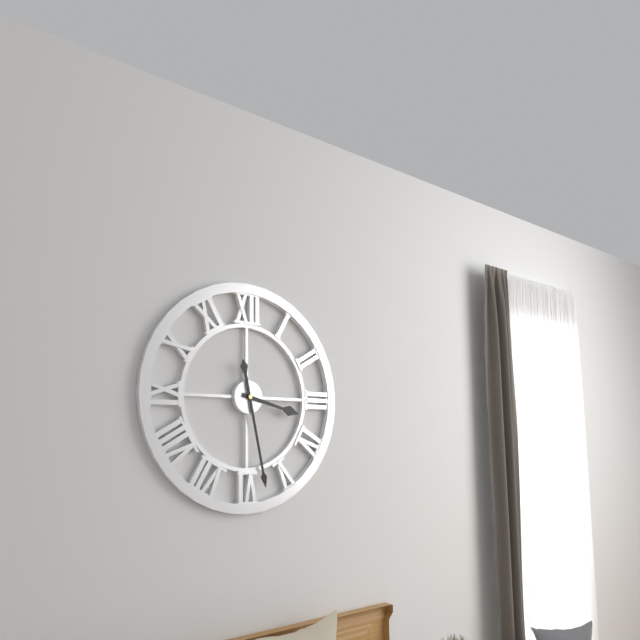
3:28
